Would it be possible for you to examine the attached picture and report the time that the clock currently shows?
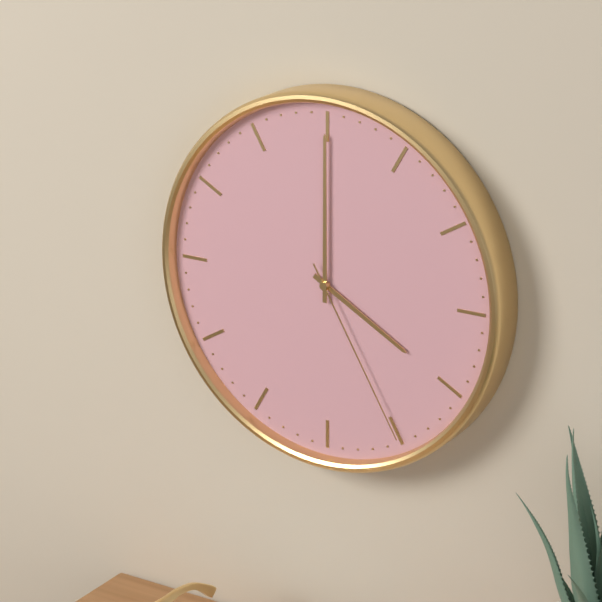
4:00:25
